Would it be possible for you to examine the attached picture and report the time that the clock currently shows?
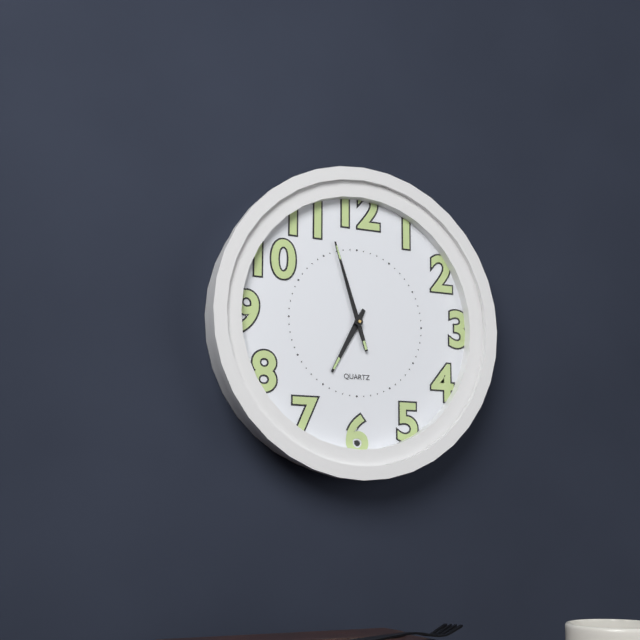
6:57
